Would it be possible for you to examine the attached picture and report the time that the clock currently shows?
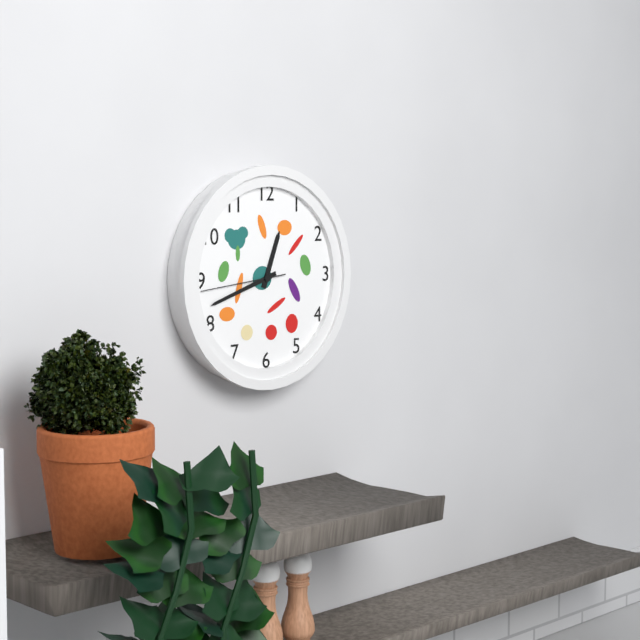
12:42:44
